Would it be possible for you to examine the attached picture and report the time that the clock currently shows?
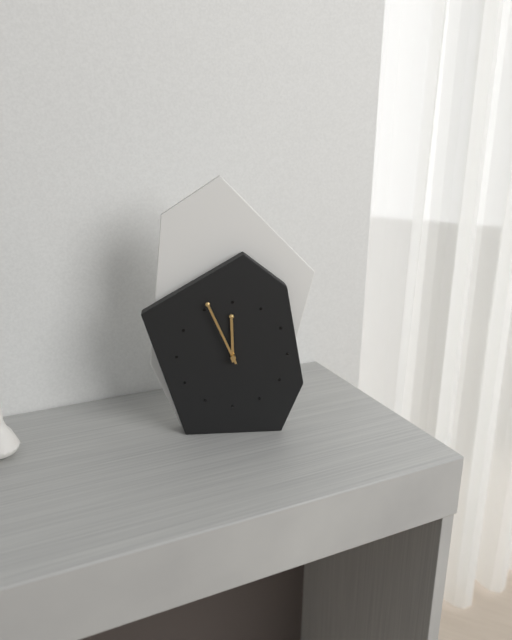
11:56
